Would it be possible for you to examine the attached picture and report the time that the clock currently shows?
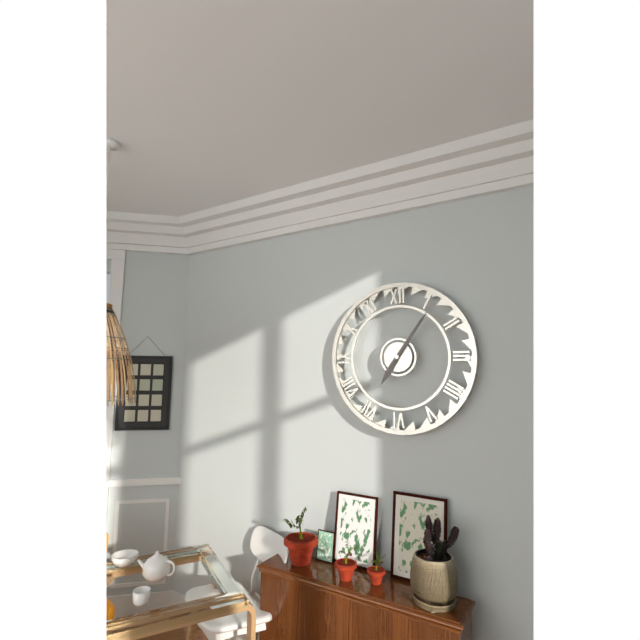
7:06
